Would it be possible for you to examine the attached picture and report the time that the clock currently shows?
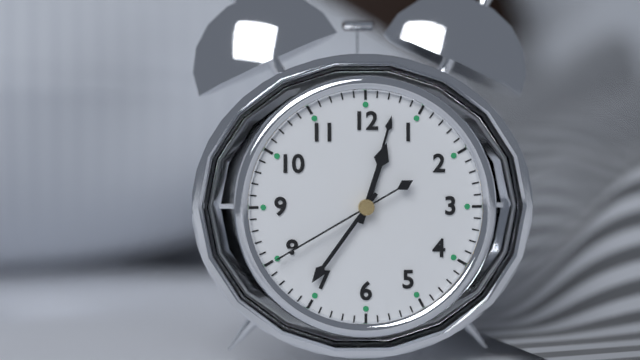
12:36:40
